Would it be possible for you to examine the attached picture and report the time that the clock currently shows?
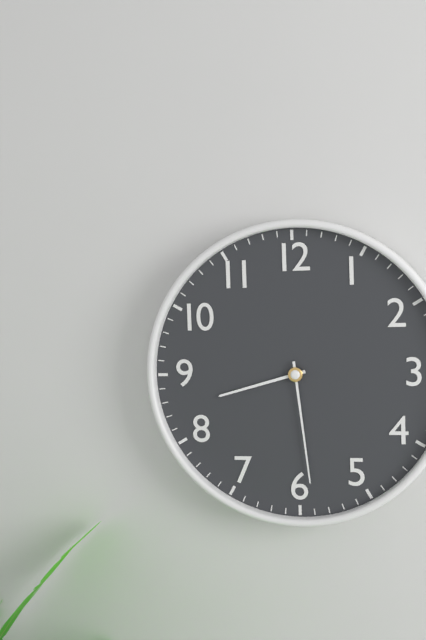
8:29
